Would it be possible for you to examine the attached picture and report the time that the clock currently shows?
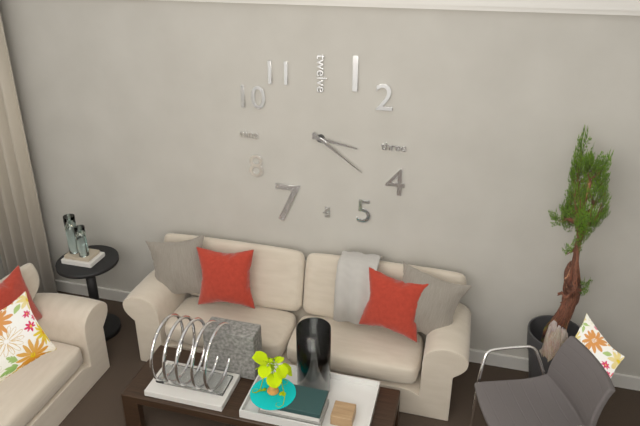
3:21
